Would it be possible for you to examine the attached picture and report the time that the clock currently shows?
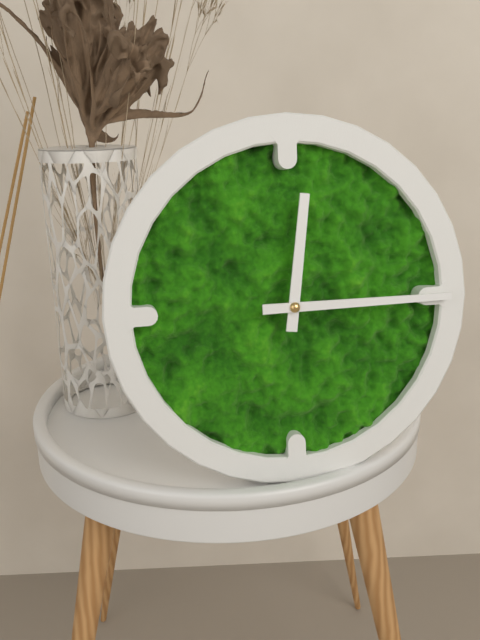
12:15
